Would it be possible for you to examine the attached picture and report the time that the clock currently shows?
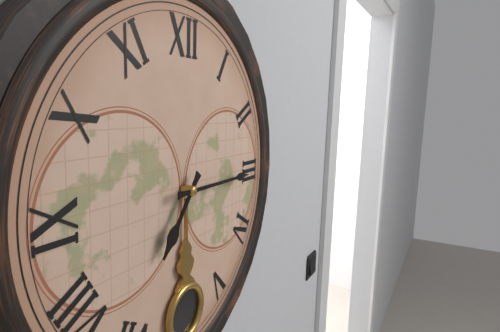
7:15
